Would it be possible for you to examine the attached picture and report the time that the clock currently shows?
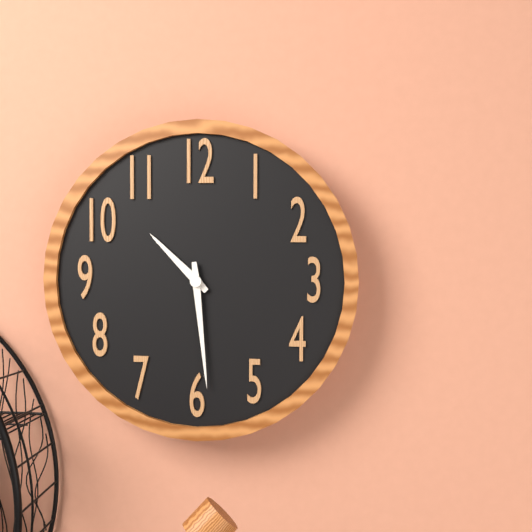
10:29
